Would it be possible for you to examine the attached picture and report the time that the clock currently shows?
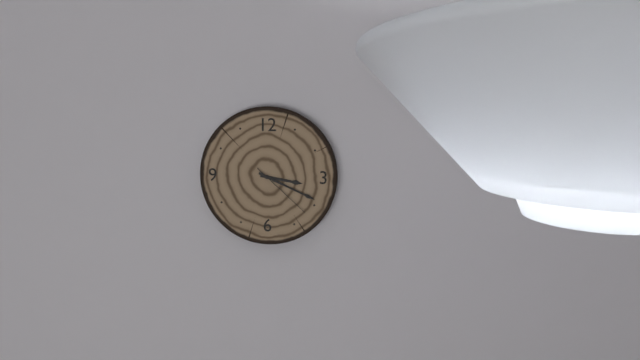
3:19:22
